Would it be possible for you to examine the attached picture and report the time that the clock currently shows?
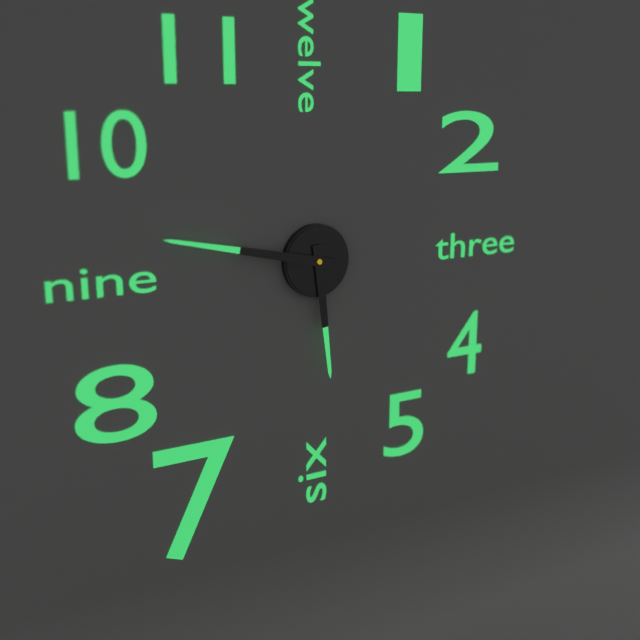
5:47
